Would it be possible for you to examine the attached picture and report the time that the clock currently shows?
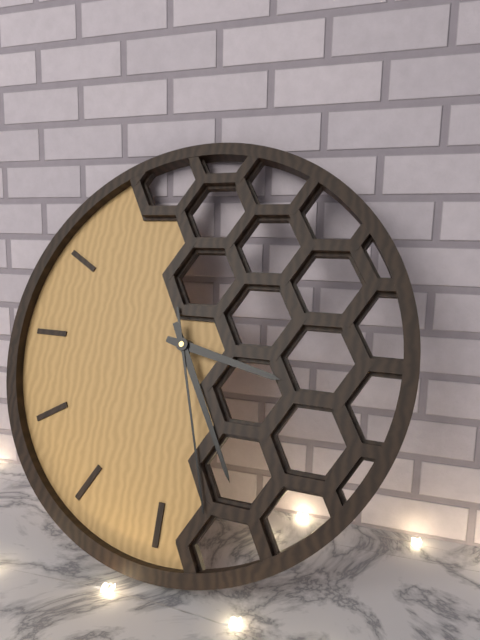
3:25:27
